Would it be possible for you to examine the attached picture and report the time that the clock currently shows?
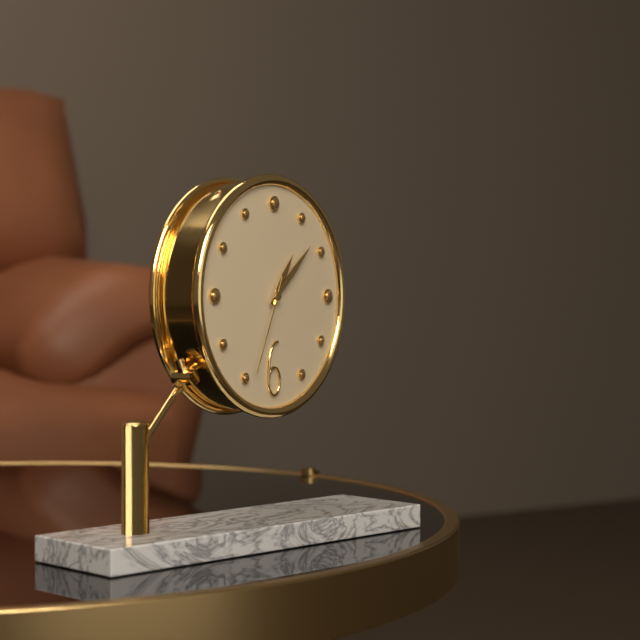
1:08:34
